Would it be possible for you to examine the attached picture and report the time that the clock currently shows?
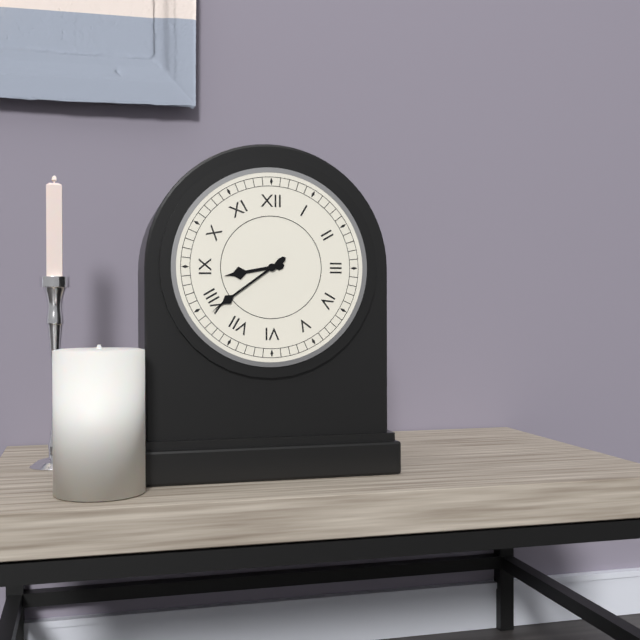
8:39
